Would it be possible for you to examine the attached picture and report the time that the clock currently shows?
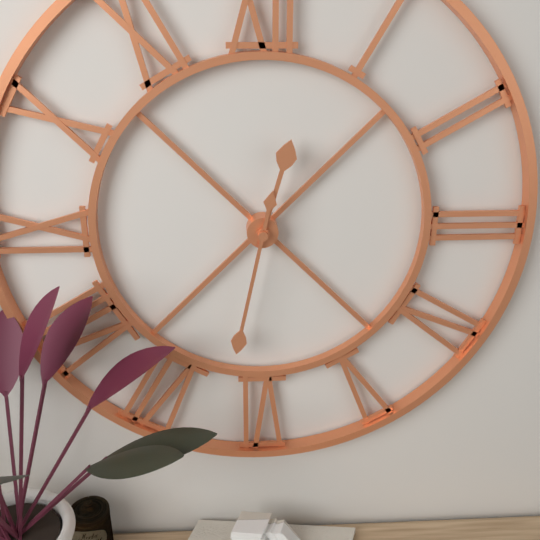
12:32
